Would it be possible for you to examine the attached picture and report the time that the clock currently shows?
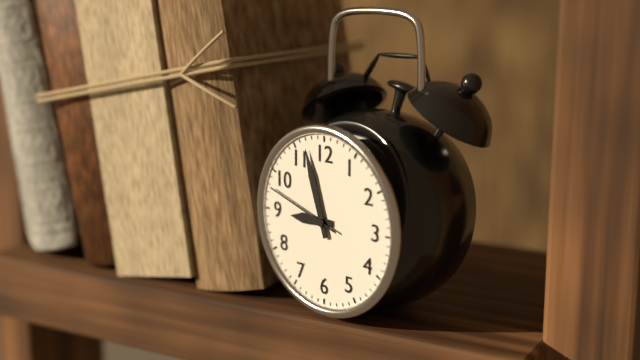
8:57:48
